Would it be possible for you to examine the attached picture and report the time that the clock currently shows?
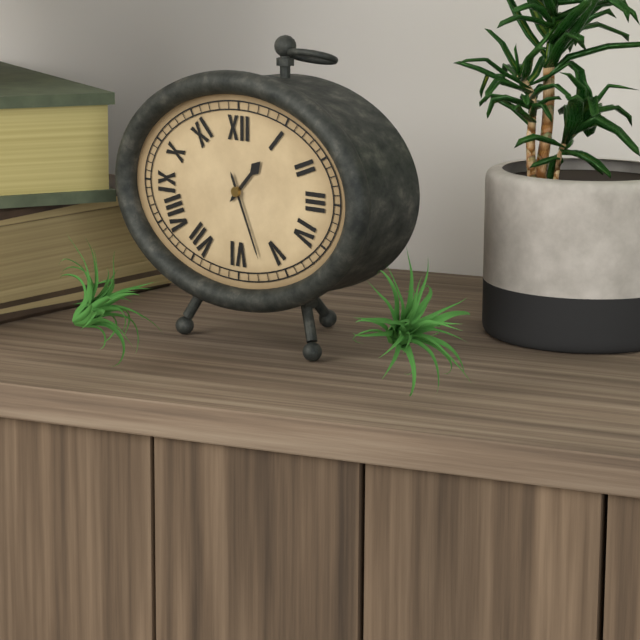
1:26
